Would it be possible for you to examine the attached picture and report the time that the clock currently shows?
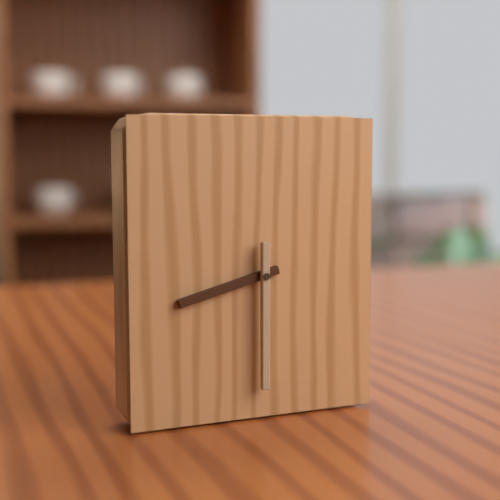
8:30
